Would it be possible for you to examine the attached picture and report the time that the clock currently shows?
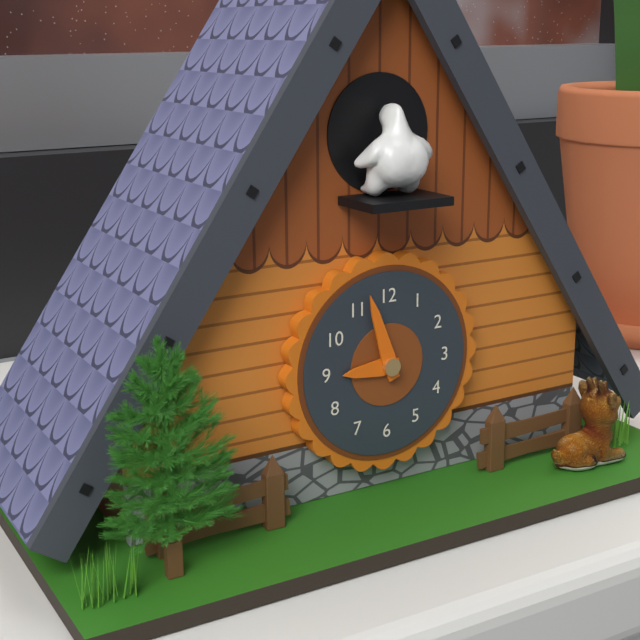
8:57
